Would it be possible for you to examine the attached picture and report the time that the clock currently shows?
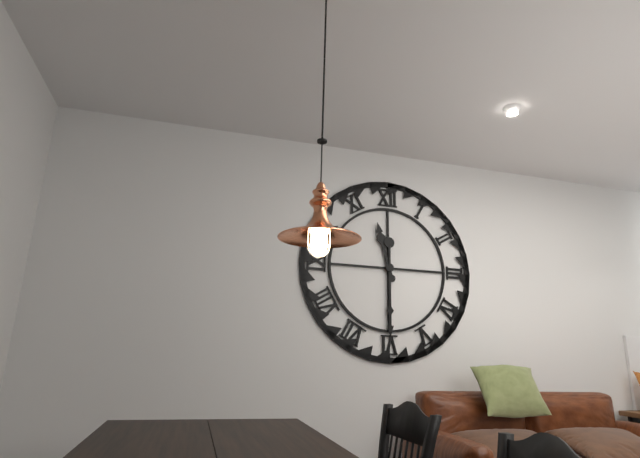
11:30
